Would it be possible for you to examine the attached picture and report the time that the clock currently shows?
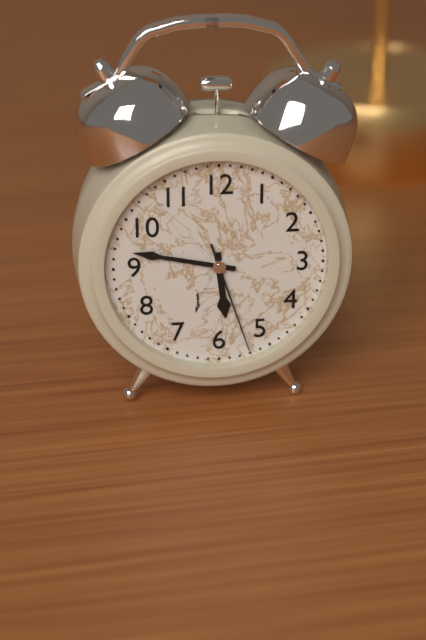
5:47:27
